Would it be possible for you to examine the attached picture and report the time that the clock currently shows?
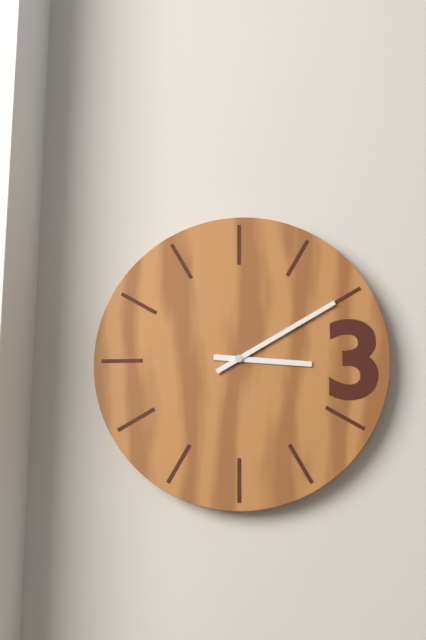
3:10
